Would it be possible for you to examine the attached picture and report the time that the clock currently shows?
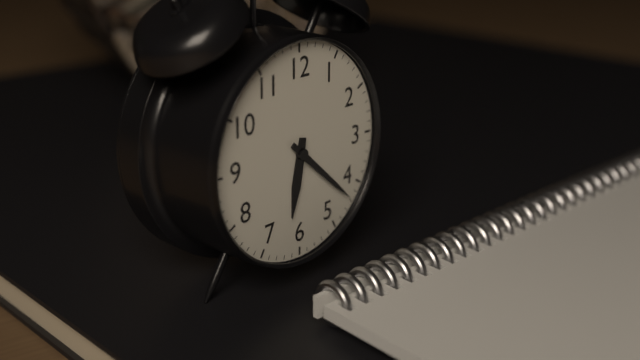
6:22
